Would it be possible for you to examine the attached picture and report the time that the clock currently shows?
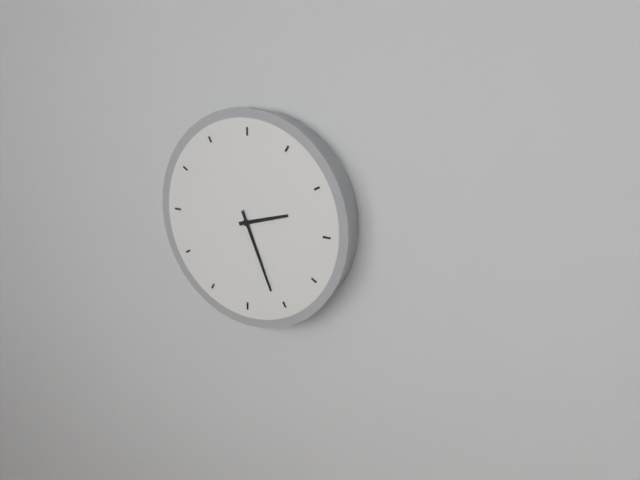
2:26
